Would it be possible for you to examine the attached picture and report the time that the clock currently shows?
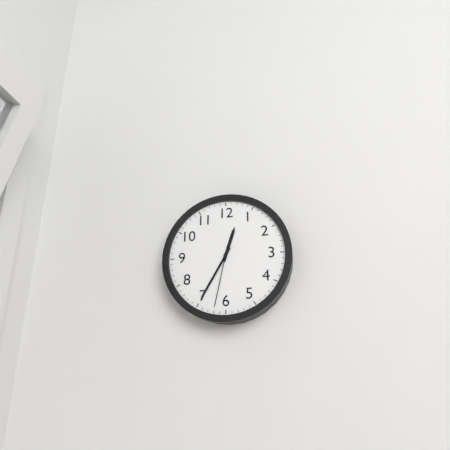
12:35:32
